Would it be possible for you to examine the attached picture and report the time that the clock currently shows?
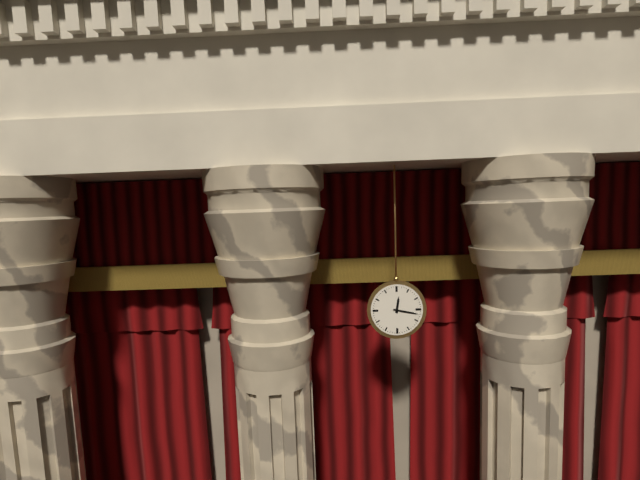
12:17
